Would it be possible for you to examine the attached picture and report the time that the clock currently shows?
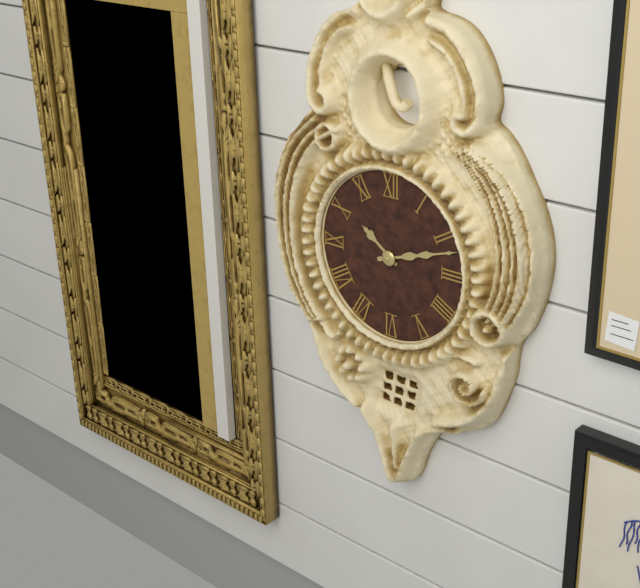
10:12
